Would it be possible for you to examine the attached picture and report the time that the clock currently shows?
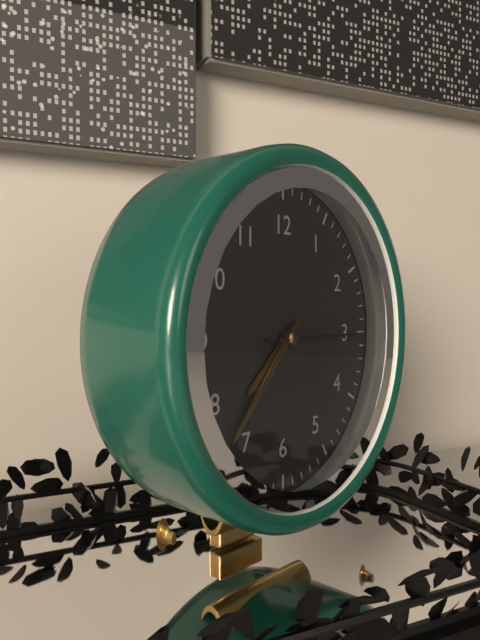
7:37:15
